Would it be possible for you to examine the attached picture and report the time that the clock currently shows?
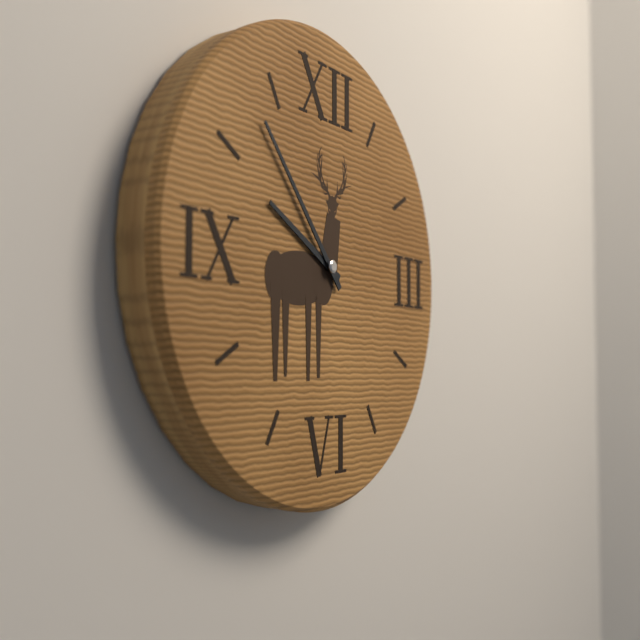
9:53
